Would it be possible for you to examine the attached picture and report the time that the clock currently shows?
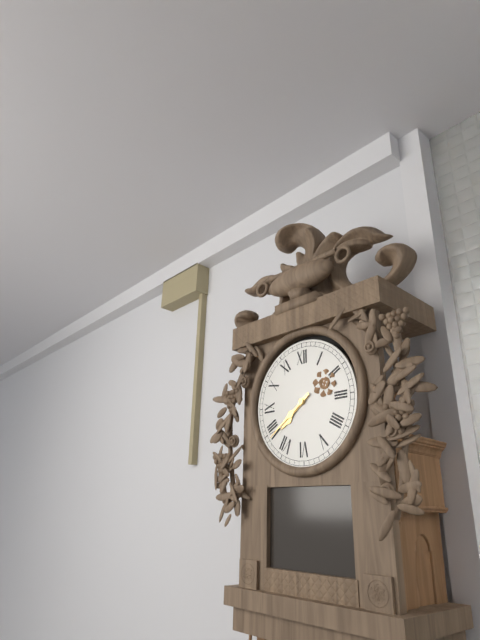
7:39
